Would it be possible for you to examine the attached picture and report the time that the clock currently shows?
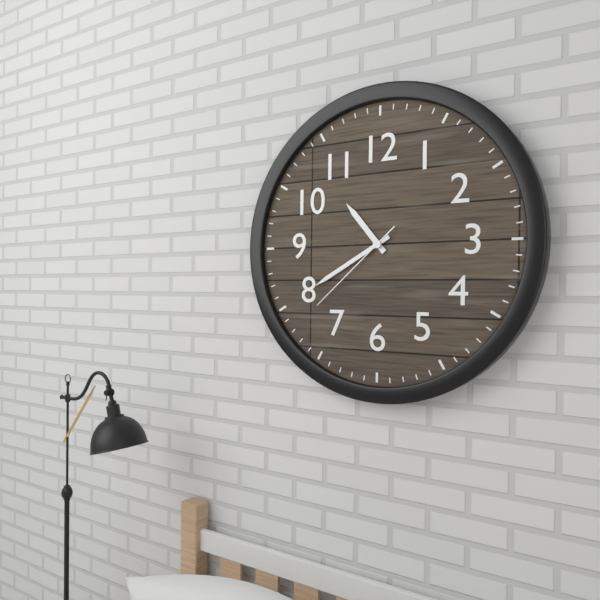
10:40:38
